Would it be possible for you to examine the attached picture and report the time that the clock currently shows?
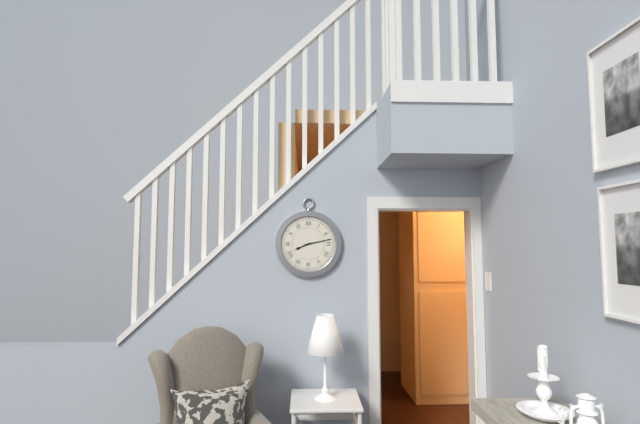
8:13
